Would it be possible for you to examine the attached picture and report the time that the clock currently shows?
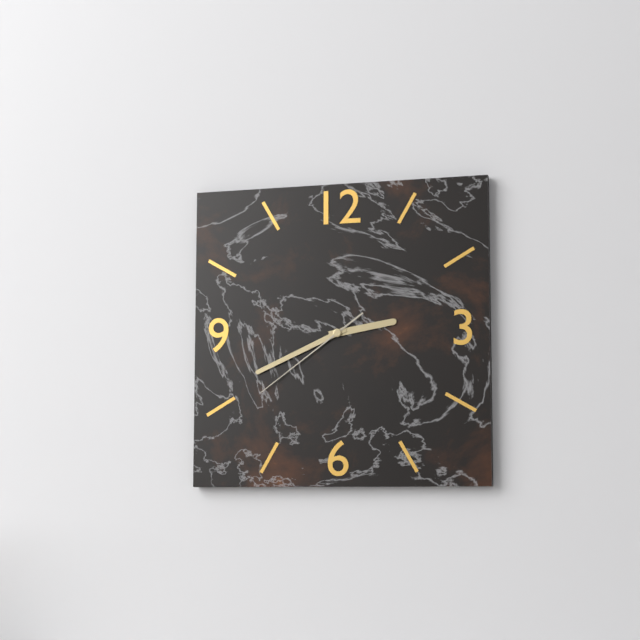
2:41:39
